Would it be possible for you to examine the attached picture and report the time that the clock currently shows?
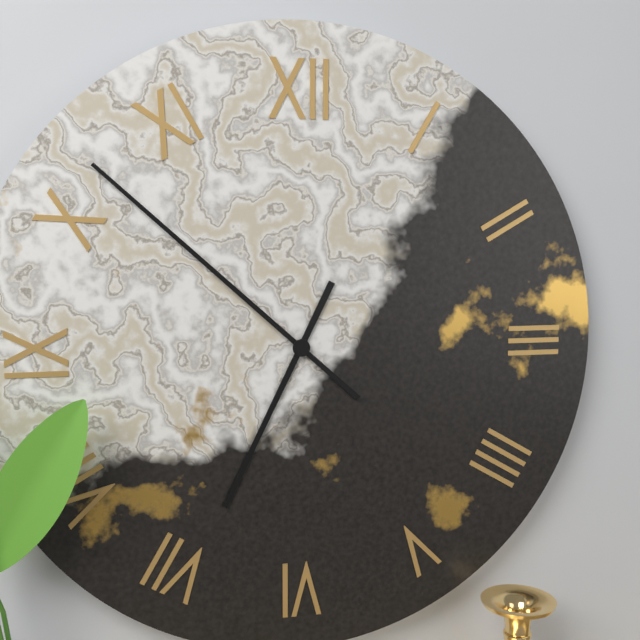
6:52
